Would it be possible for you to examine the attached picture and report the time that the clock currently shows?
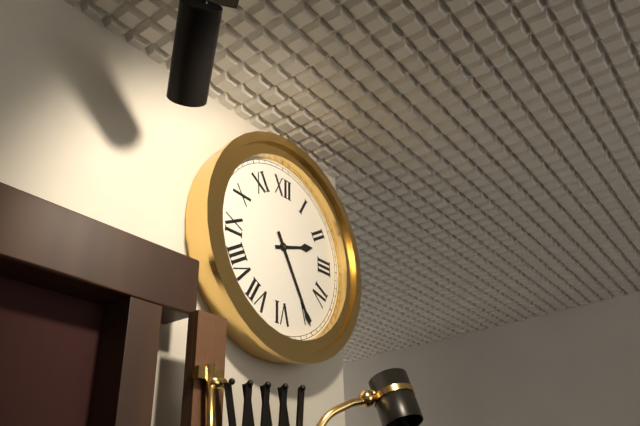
2:25
